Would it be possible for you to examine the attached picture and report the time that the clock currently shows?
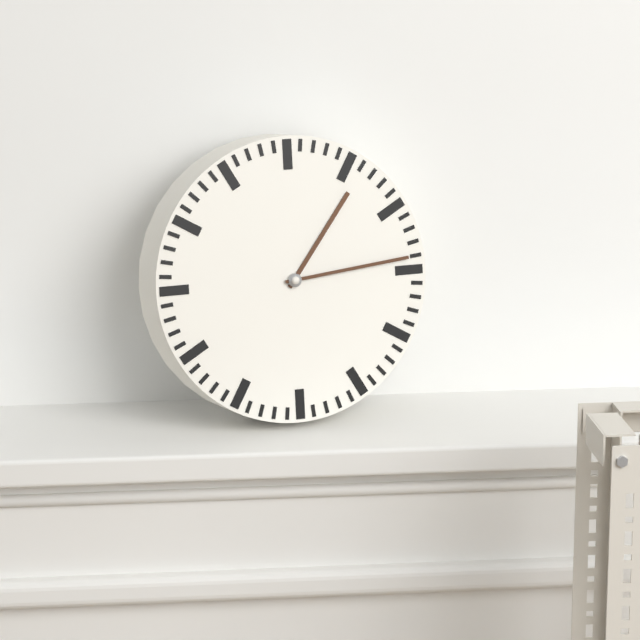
1:14
